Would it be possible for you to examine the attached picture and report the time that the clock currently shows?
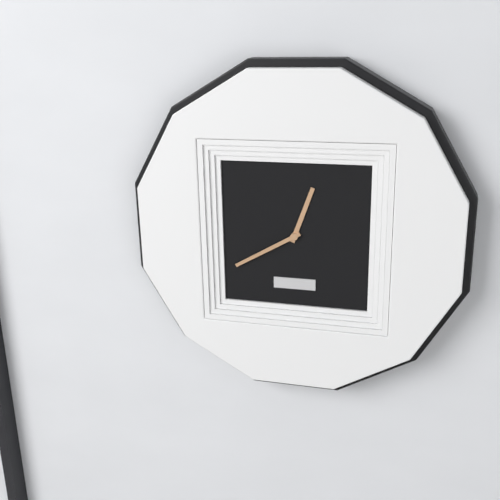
12:40
